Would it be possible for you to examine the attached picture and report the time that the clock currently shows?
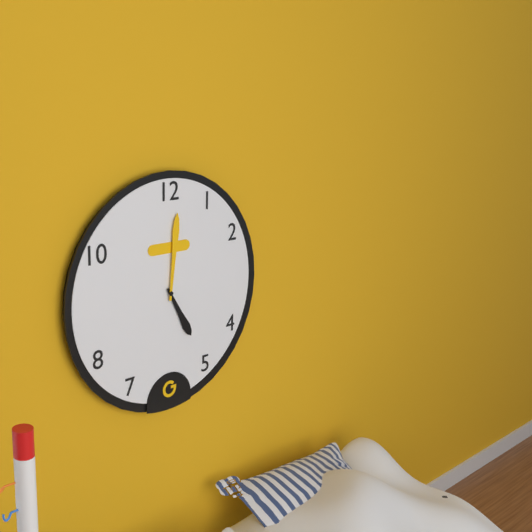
5:01
